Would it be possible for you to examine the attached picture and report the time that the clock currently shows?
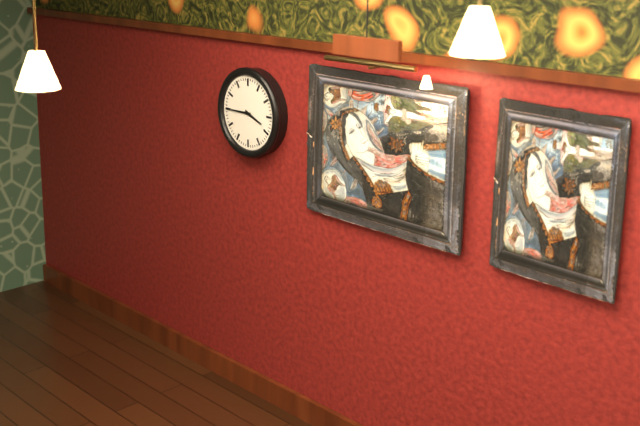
3:45
